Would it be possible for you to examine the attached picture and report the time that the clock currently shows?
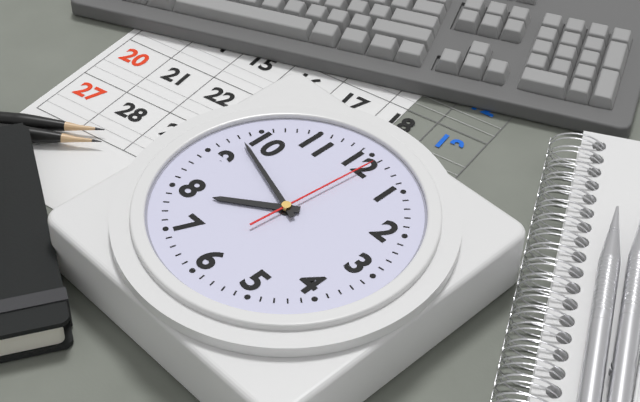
7:48:01
